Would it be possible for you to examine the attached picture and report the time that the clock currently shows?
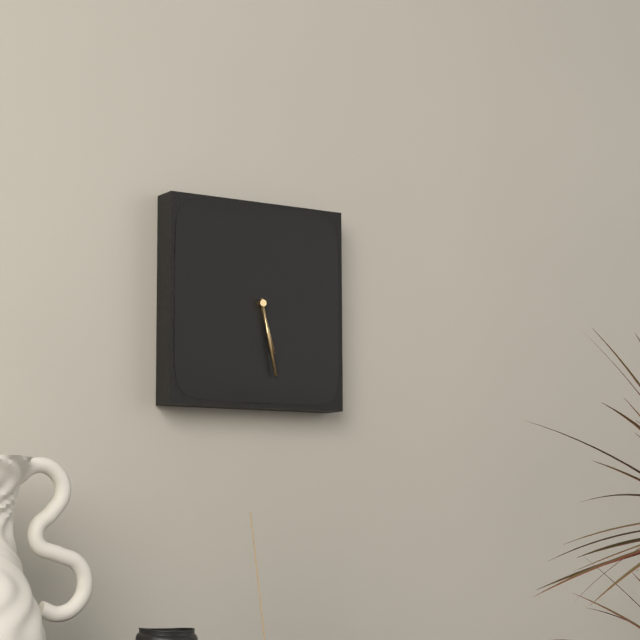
5:28
